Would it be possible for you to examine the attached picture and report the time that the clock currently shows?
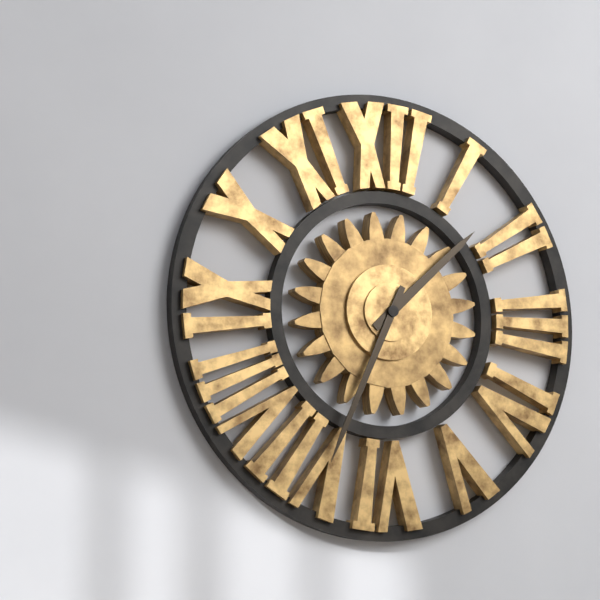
1:34
